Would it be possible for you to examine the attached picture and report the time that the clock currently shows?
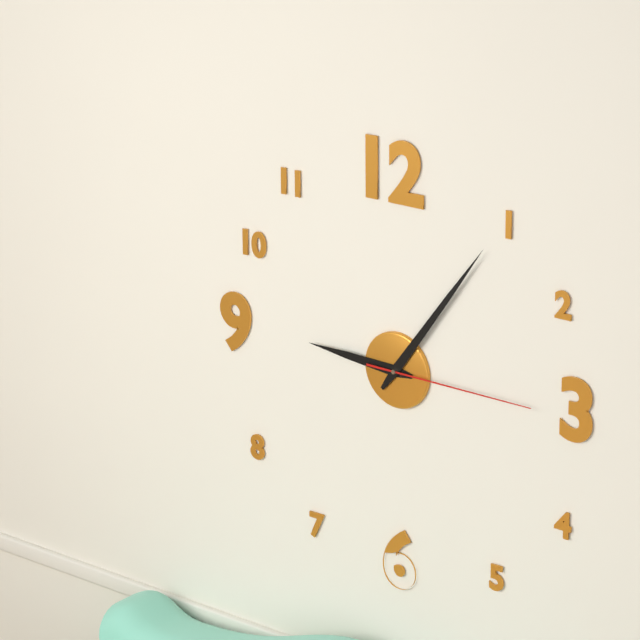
9:06:15
